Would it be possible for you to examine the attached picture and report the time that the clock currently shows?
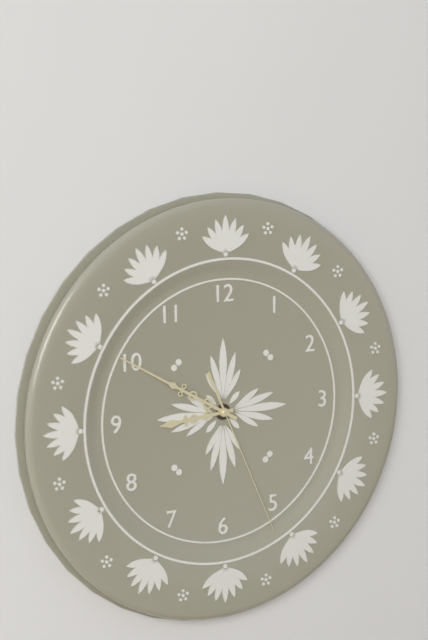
8:50:26
